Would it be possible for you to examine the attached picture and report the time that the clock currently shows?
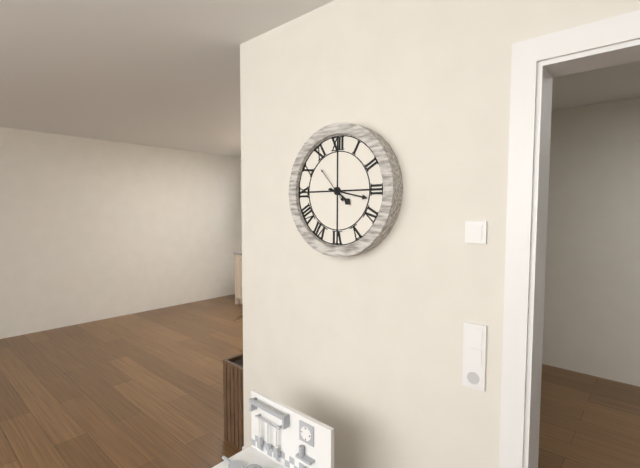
4:17
